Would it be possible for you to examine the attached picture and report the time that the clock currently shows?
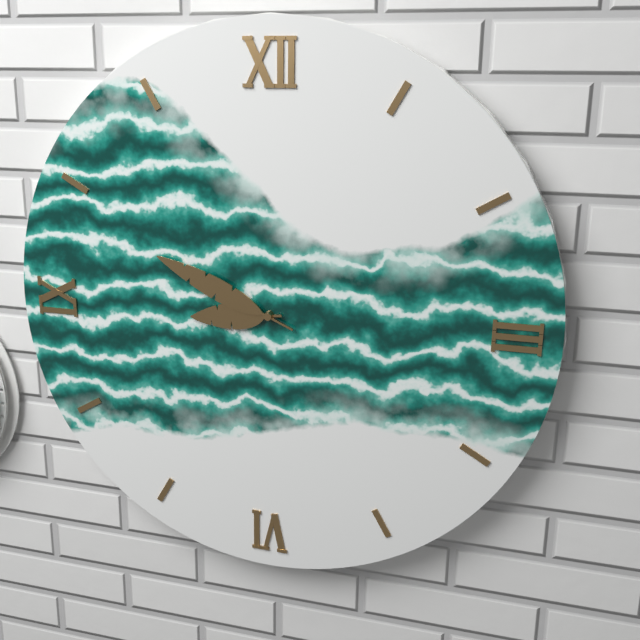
8:49
